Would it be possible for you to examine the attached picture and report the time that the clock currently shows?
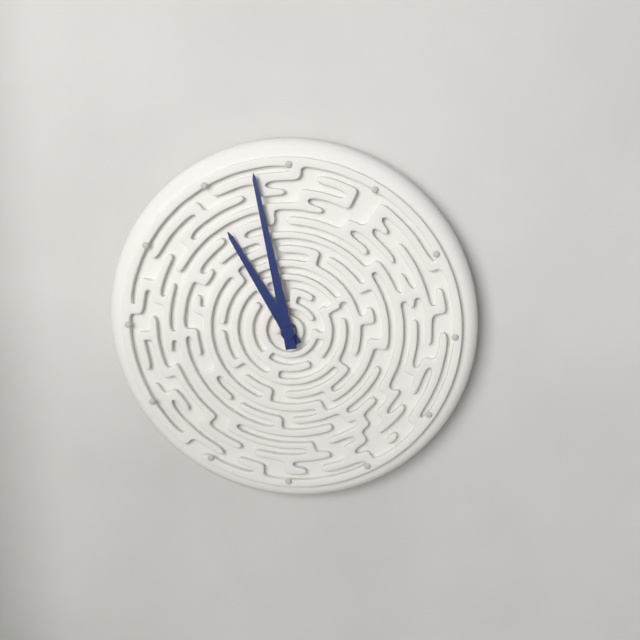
10:58
